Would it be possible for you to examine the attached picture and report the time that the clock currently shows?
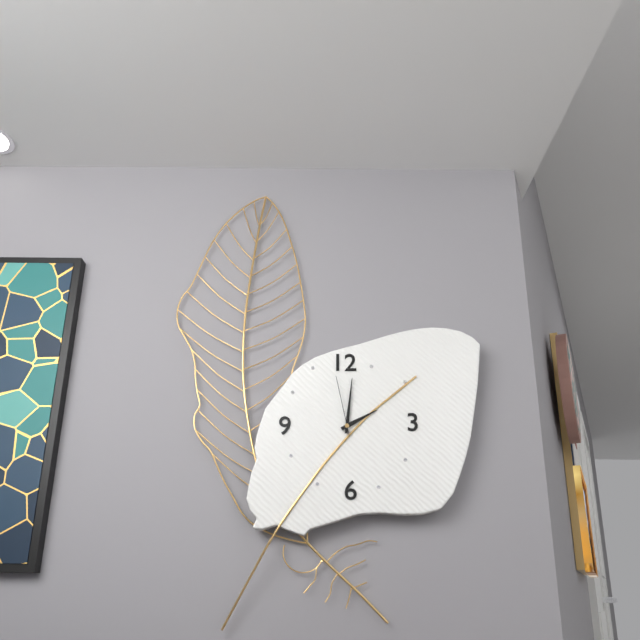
2:01:58
